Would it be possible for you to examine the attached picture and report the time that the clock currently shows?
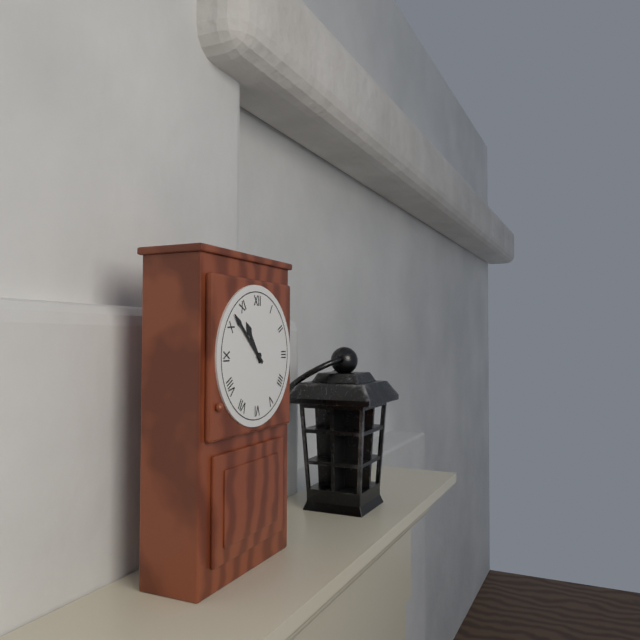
10:52
